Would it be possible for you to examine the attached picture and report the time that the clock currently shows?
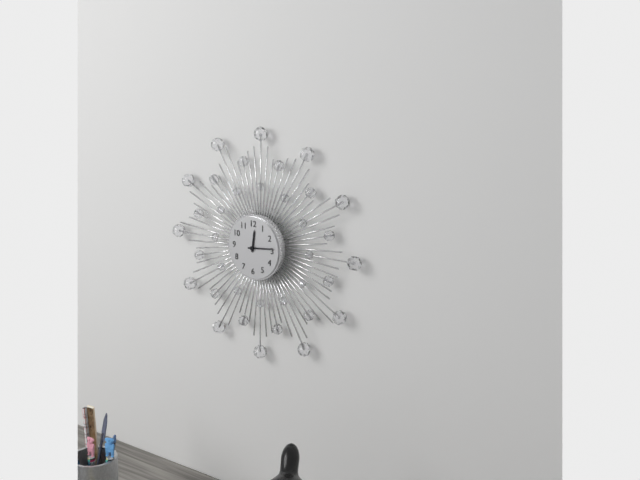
12:14
